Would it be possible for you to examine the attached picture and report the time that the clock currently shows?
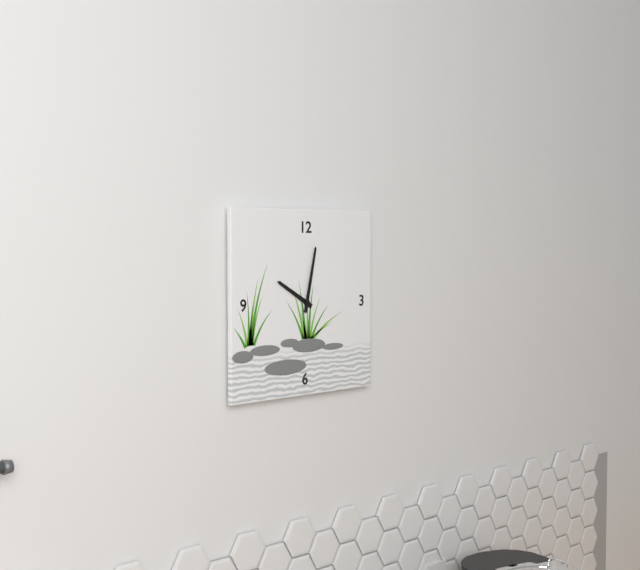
10:02
